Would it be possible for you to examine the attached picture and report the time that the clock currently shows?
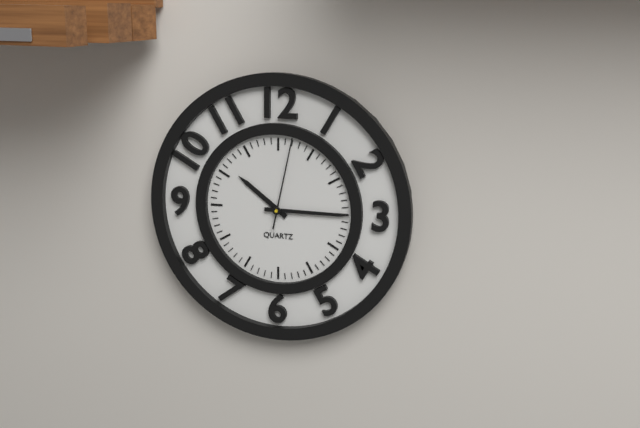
10:15:02
